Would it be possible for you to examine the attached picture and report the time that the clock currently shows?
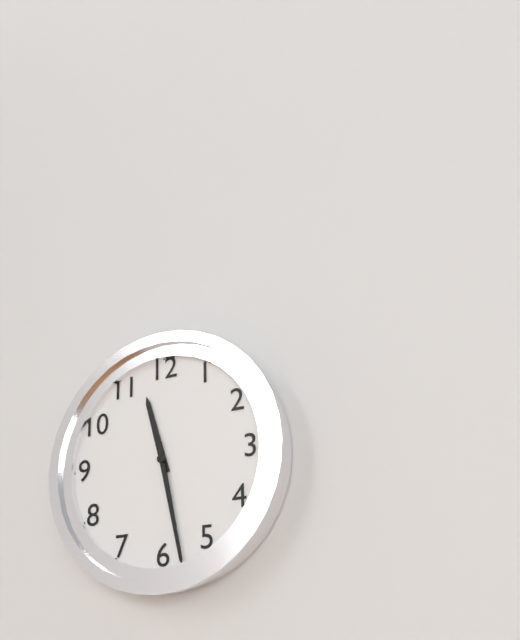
11:28
